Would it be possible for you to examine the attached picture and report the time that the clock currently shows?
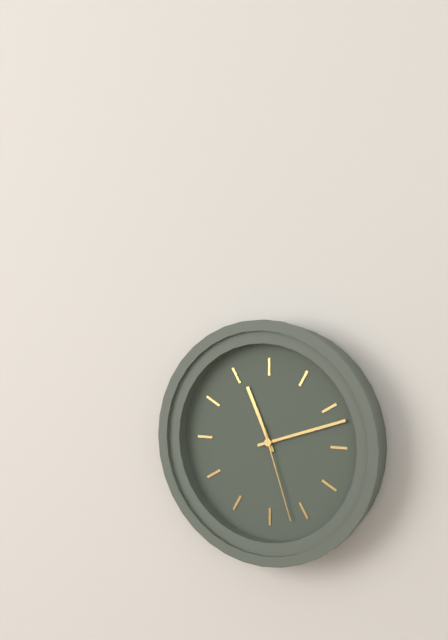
11:12:27
